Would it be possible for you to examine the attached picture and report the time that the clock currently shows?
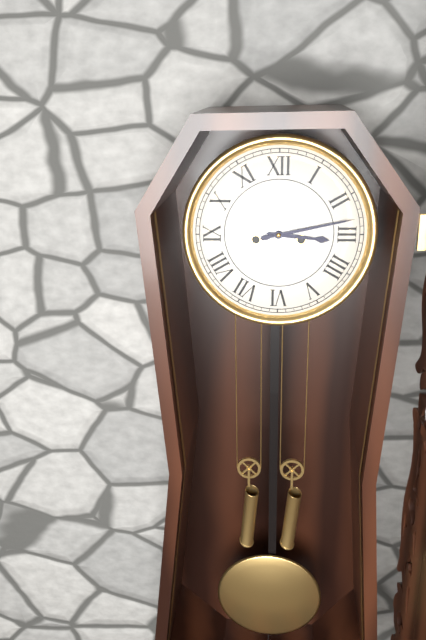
3:13
